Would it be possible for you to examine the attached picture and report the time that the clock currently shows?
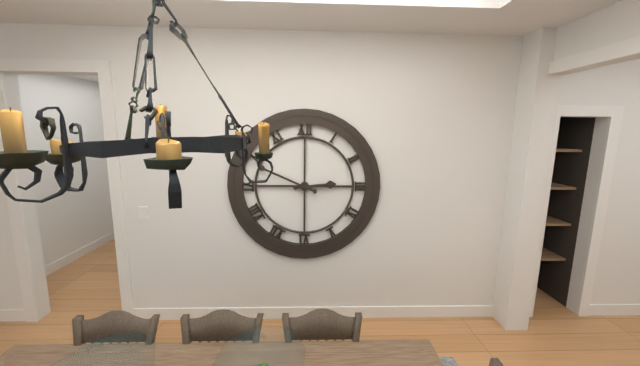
2:49
